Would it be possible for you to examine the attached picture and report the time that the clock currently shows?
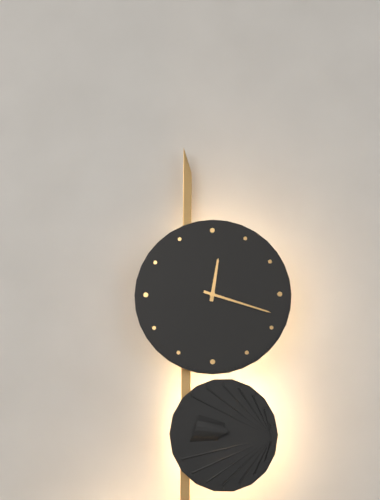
12:18
